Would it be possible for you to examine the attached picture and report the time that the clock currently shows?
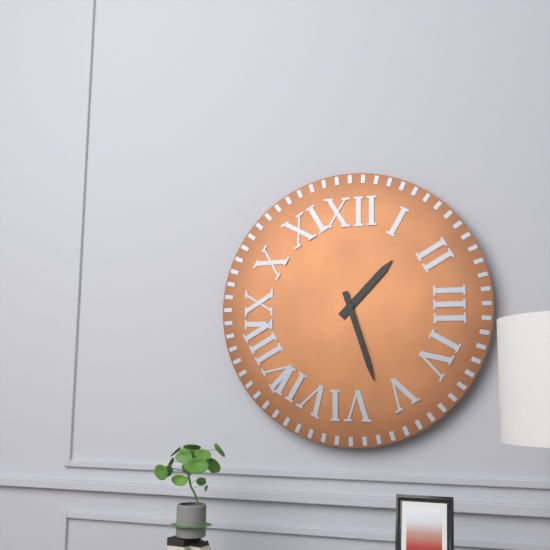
1:27
